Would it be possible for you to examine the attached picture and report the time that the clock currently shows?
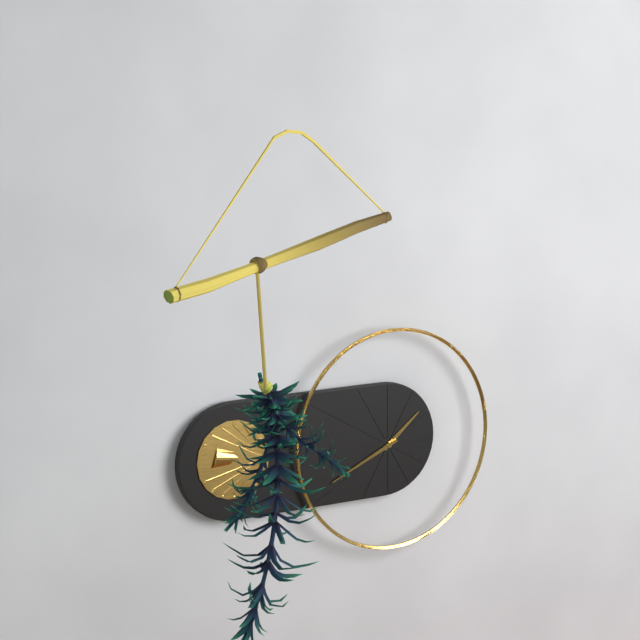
1:41
